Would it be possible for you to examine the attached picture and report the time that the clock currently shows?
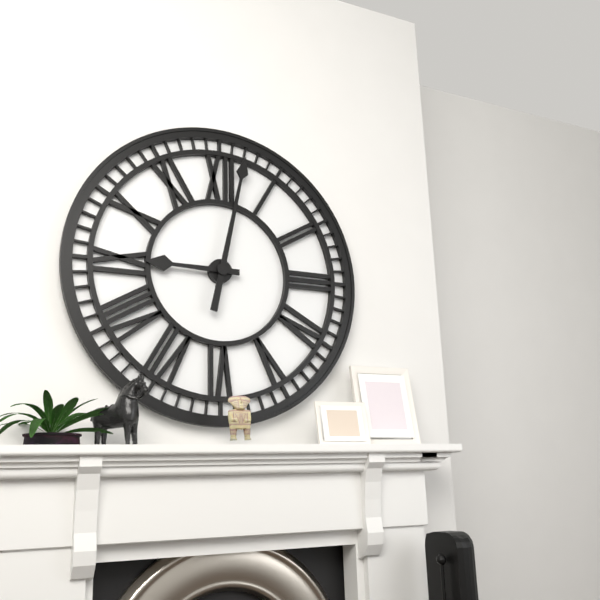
9:02
